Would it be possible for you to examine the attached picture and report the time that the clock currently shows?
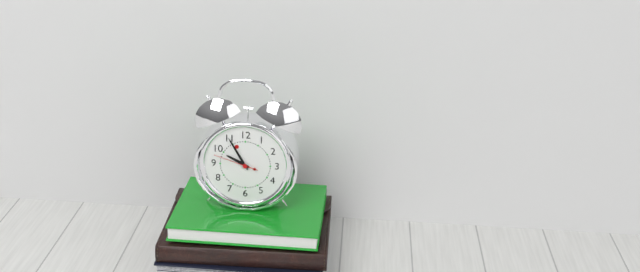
9:55
